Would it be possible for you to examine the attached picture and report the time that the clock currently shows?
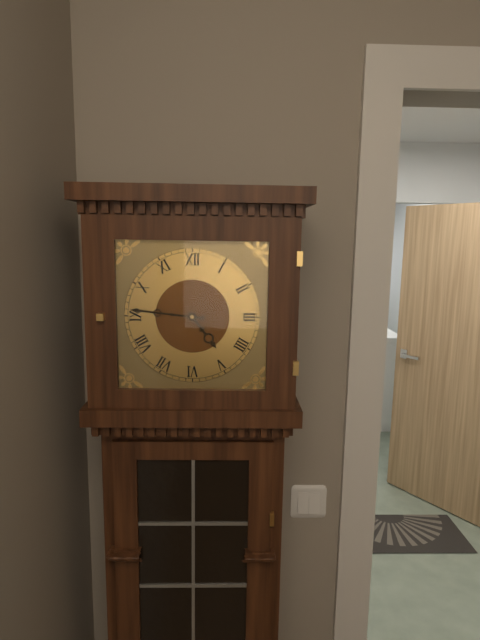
4:46
